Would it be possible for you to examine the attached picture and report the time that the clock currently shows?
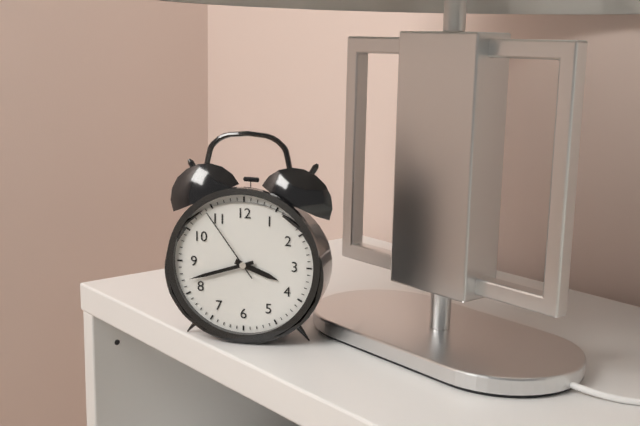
3:42:54
